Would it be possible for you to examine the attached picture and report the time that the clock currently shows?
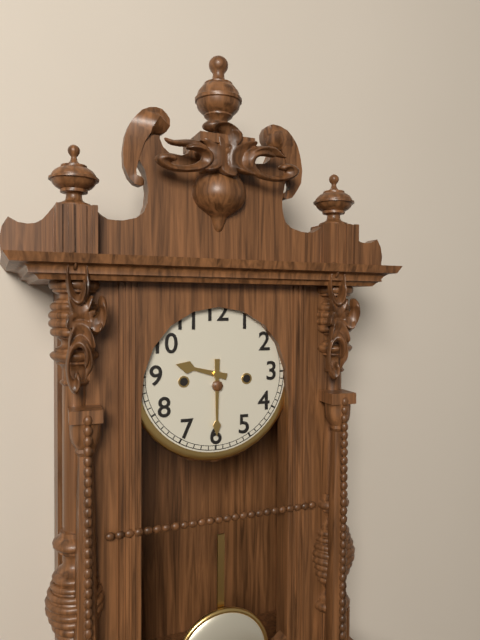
9:30
